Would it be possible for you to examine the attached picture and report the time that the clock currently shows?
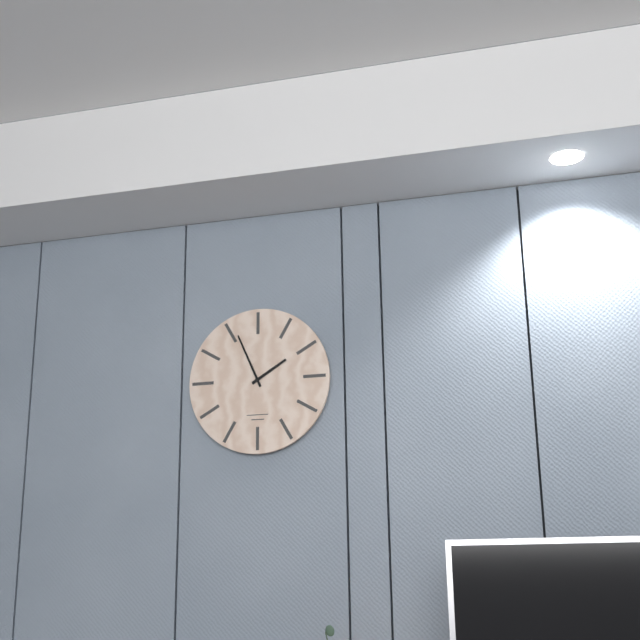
1:56
